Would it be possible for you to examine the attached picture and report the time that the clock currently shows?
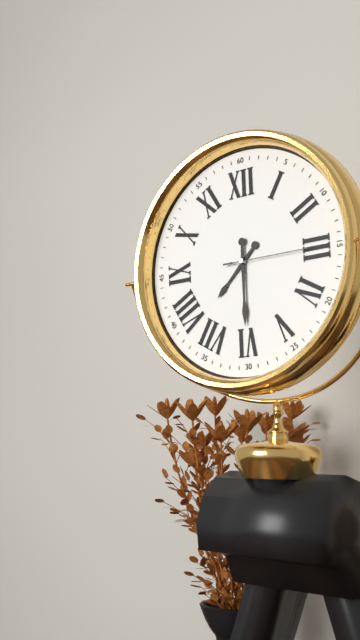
7:30:15
